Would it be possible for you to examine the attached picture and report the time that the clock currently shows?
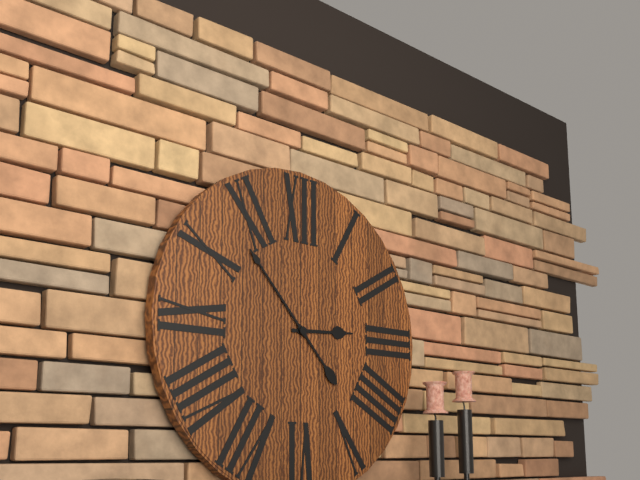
2:53
